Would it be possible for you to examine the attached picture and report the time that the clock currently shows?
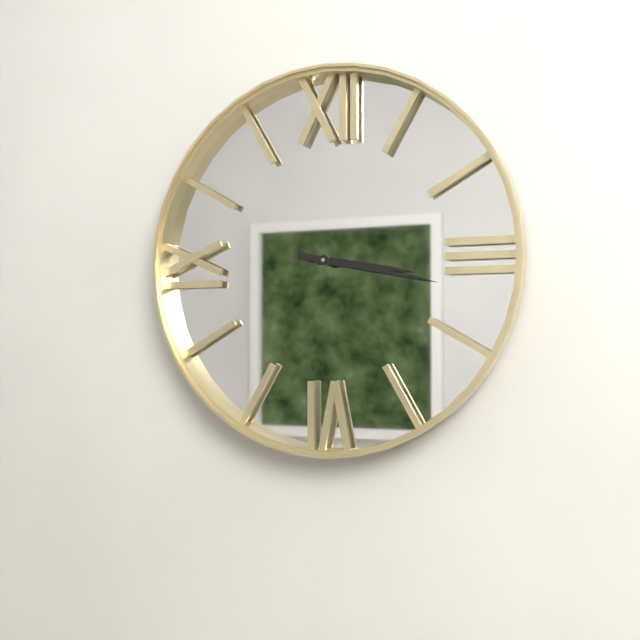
3:17
